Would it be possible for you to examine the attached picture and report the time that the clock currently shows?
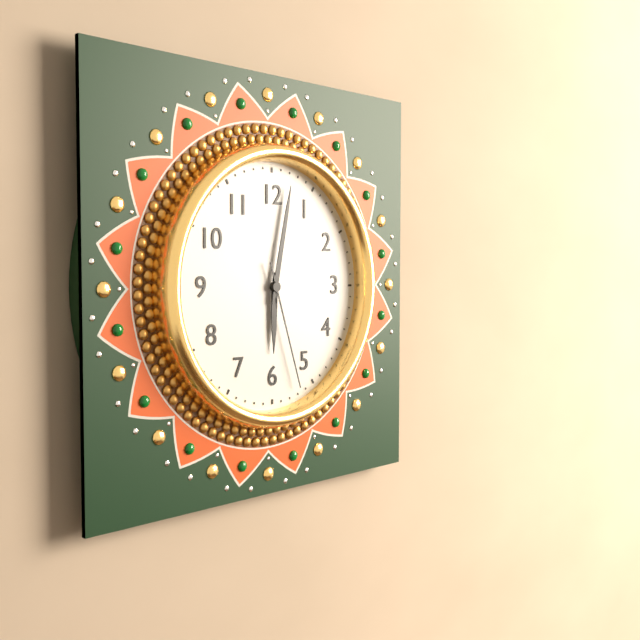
6:02:27
